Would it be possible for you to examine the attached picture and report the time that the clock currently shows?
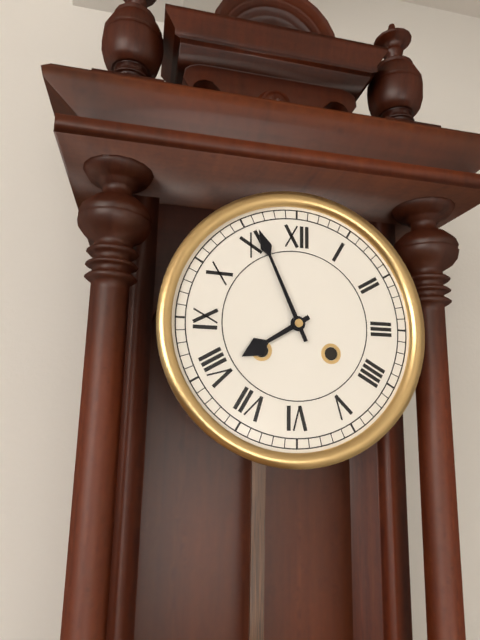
7:56
